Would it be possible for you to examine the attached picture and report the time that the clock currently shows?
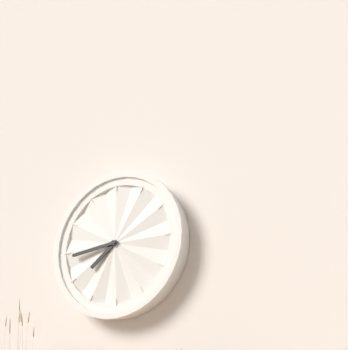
7:44
